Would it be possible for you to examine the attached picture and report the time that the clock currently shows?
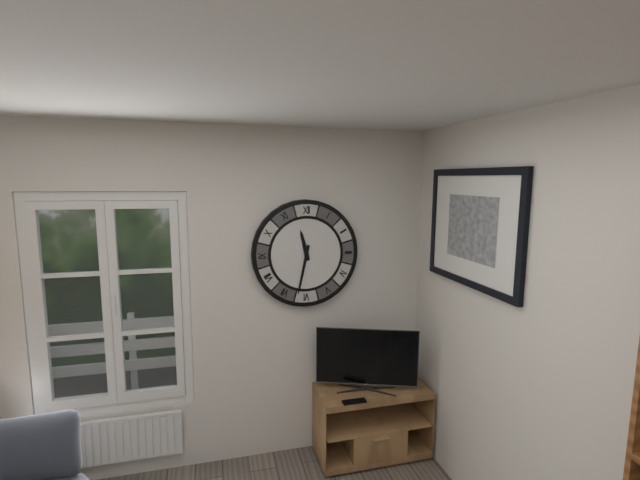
11:32
